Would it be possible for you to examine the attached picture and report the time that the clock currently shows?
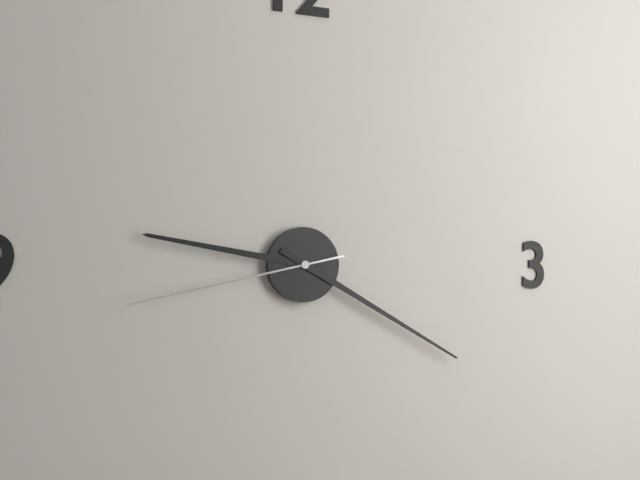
9:20:43
